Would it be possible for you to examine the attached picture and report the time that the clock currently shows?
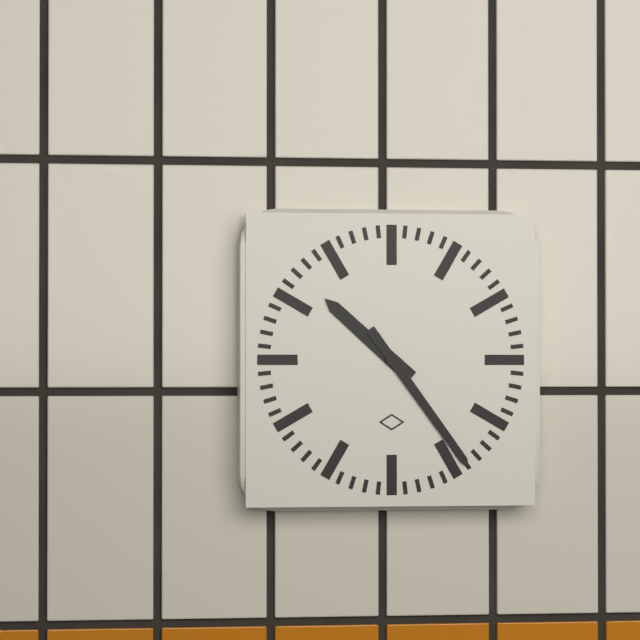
10:24
